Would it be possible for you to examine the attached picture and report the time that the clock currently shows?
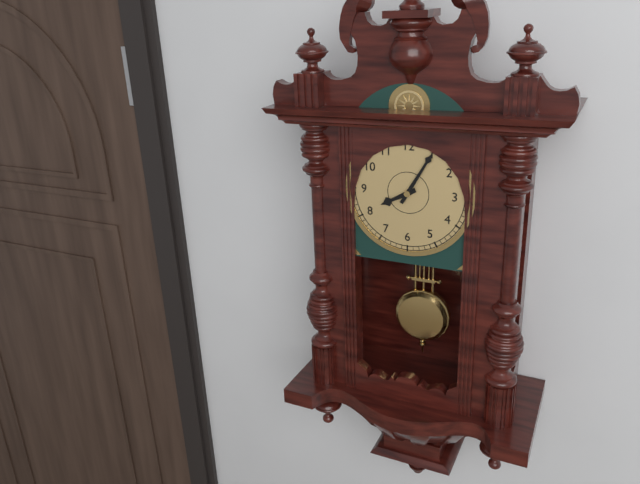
8:05
